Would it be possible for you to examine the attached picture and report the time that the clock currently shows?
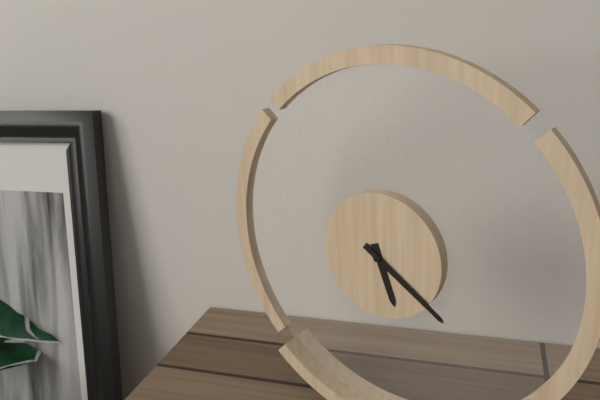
5:21
